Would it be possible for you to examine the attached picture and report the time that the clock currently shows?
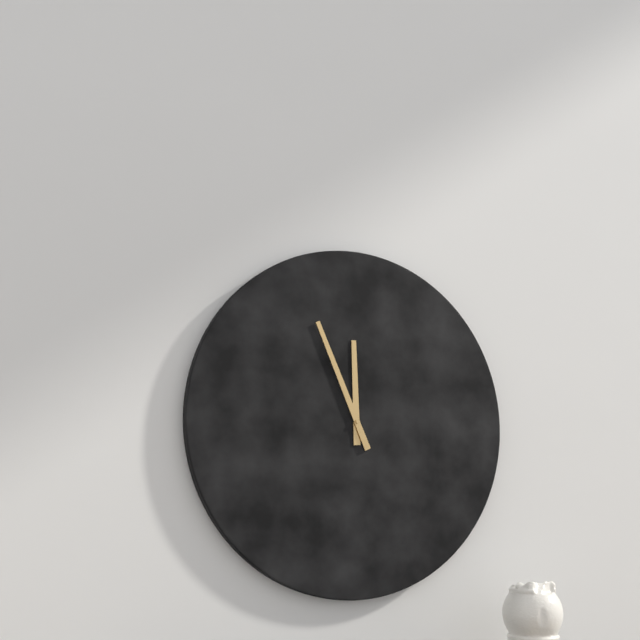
11:56
